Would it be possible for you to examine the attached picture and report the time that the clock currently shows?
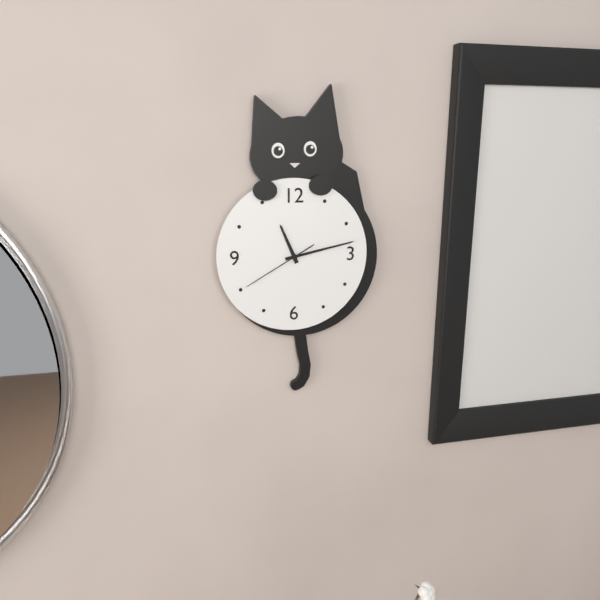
11:13:40
